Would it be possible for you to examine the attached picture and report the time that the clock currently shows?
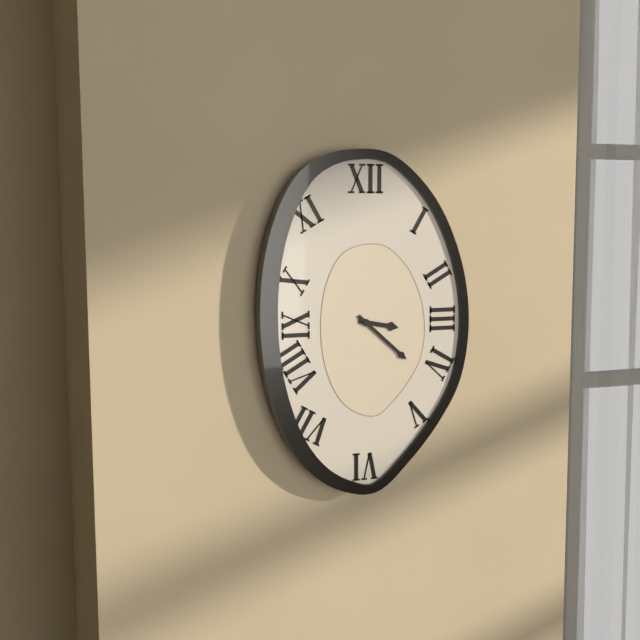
3:22
